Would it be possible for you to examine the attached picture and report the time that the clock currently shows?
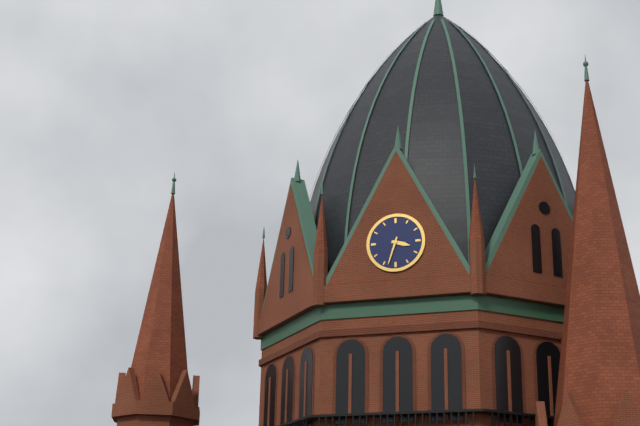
3:33
